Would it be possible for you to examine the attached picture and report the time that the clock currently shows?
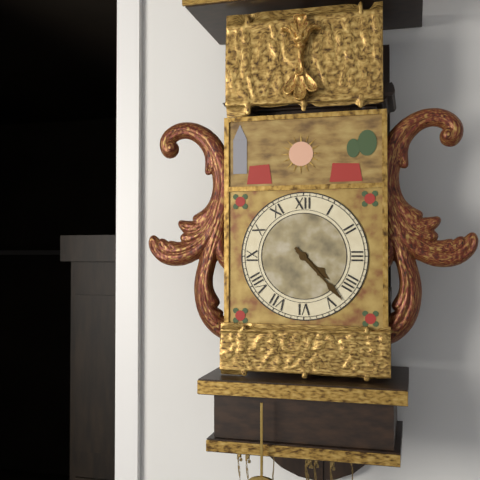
4:23
